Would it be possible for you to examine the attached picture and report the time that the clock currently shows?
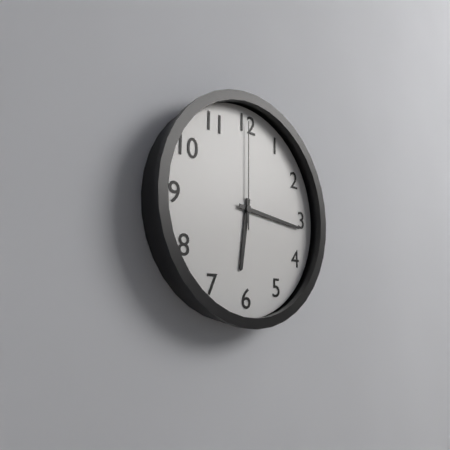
6:16:00
